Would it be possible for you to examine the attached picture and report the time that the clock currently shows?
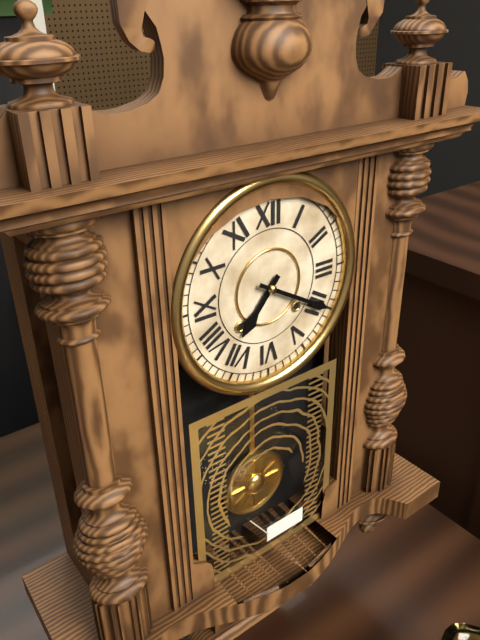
7:20
